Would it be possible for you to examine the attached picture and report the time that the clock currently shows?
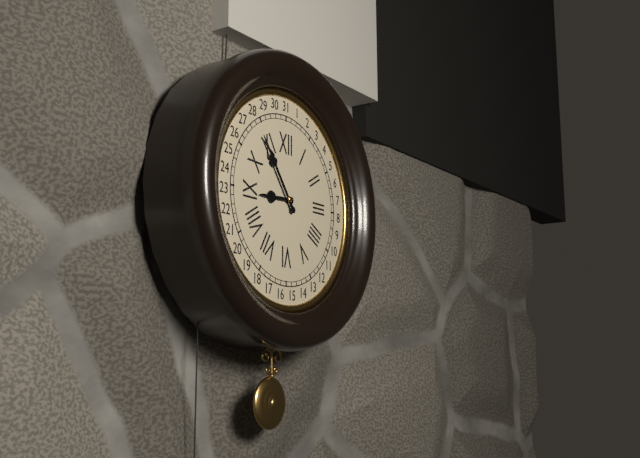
8:54
